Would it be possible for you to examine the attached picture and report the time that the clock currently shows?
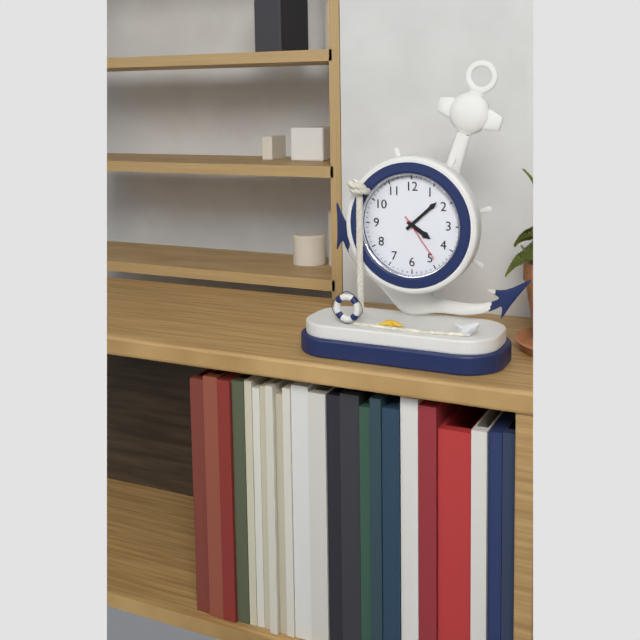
4:08:24
